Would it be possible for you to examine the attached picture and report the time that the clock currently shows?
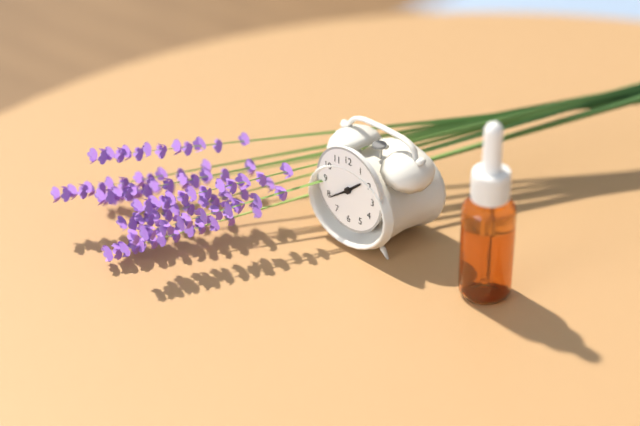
1:39
